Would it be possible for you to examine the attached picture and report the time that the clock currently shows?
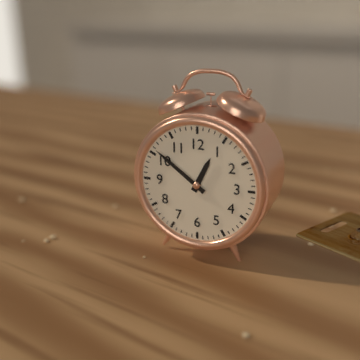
12:51
